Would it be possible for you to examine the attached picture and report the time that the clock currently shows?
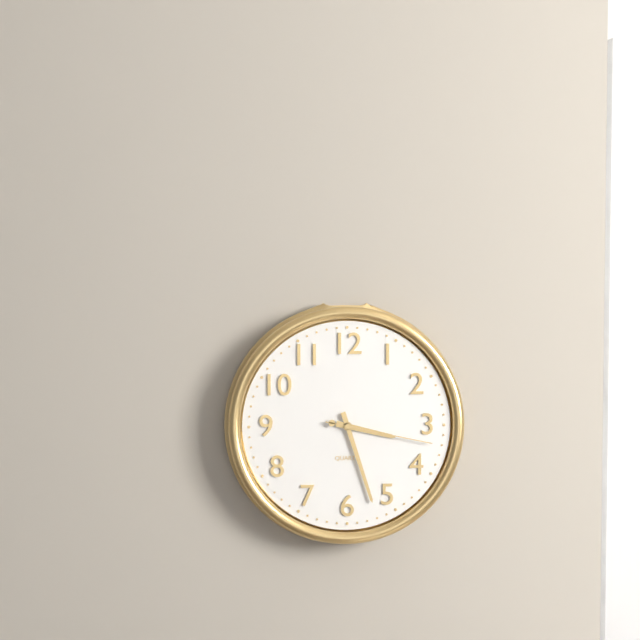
3:27:17
